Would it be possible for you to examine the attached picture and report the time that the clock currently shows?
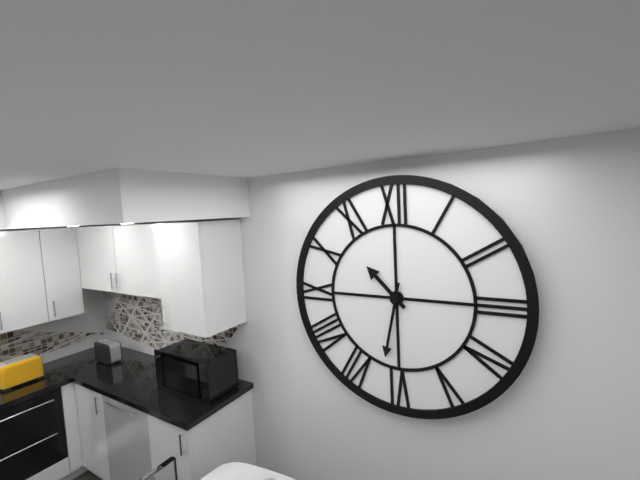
10:32
